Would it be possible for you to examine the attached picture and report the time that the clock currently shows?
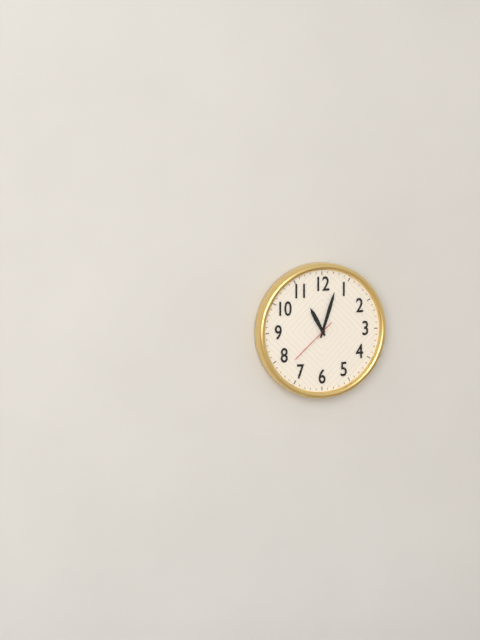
11:03:38
